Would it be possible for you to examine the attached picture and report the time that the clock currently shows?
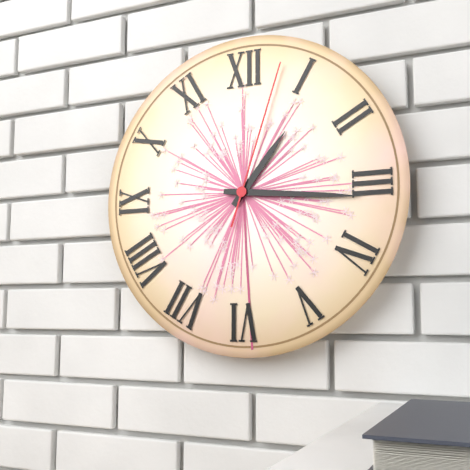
1:16:03
